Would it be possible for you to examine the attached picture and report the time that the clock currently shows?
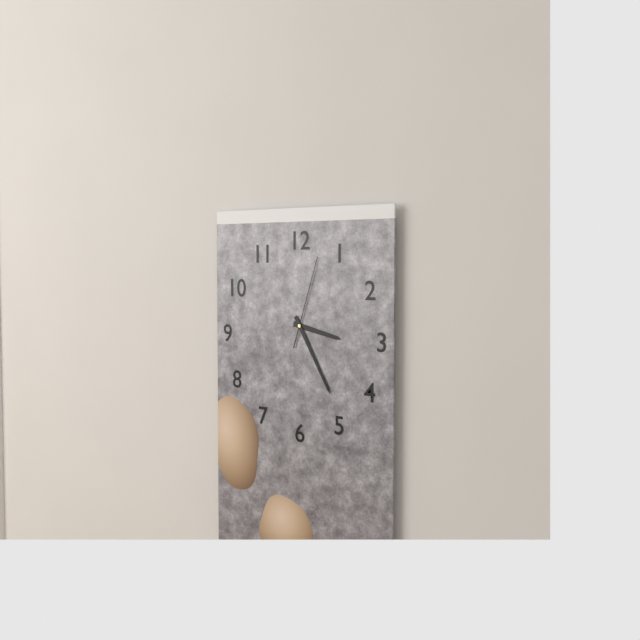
3:25:03
